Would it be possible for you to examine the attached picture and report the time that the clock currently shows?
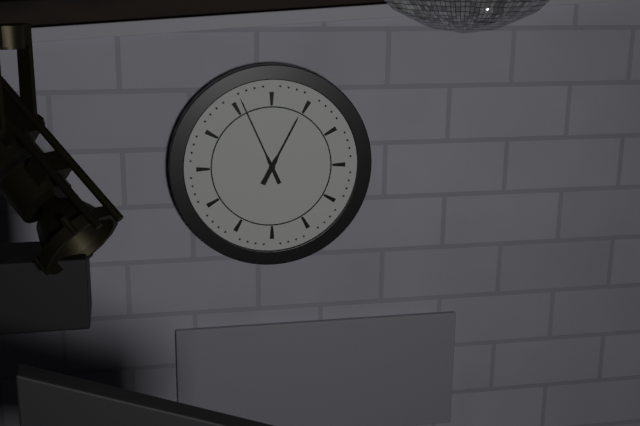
12:56
